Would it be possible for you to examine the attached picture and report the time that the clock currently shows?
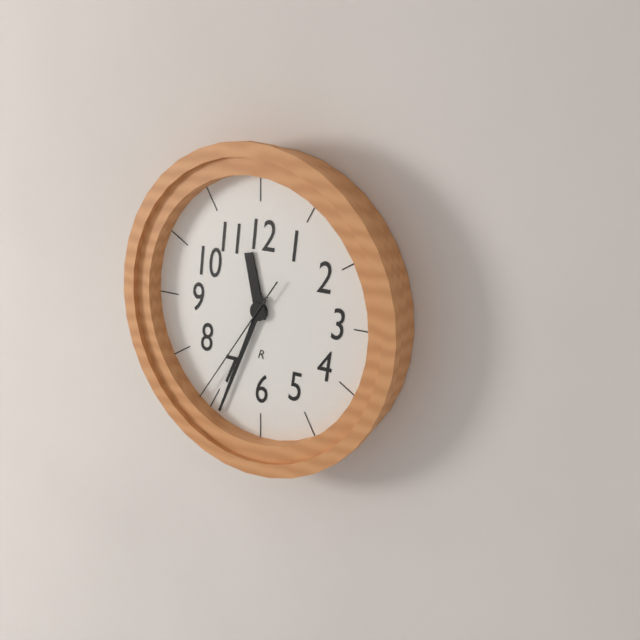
11:34:36
